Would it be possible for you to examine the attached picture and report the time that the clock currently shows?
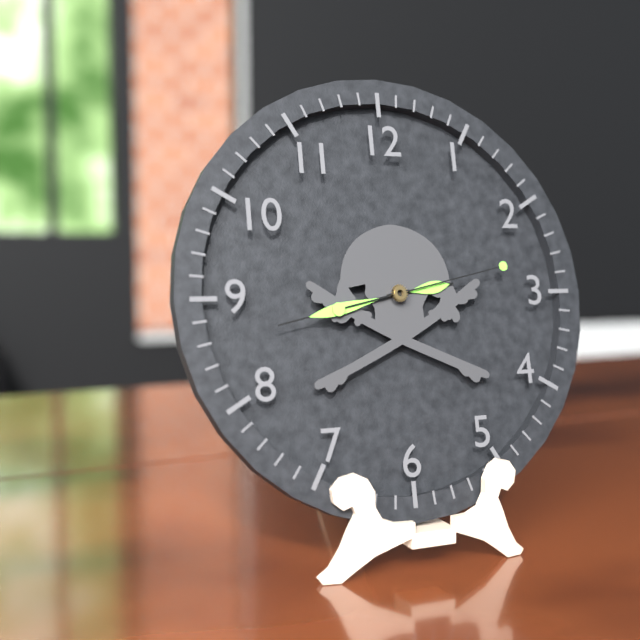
2:43:13
